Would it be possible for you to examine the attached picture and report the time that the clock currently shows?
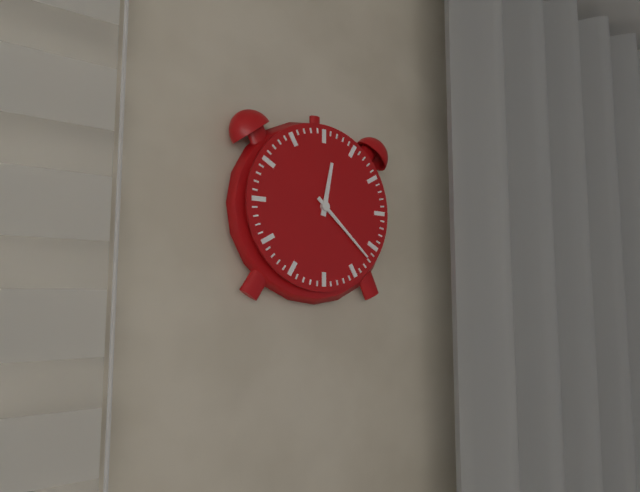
12:22
